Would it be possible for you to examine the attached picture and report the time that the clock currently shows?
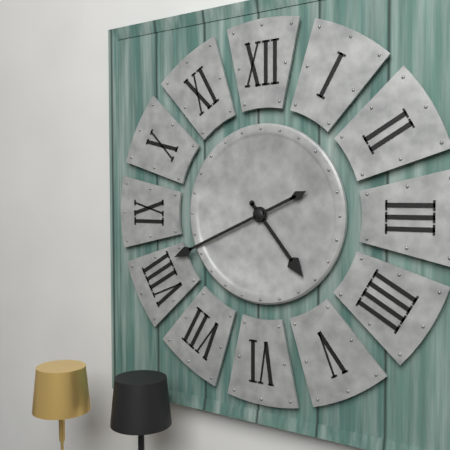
4:41
